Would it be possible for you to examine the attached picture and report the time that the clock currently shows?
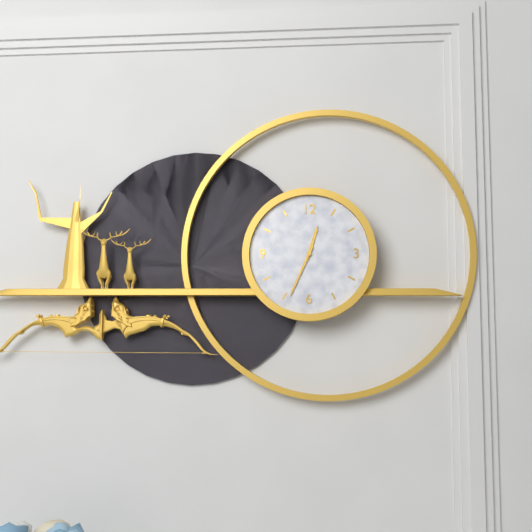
12:34
